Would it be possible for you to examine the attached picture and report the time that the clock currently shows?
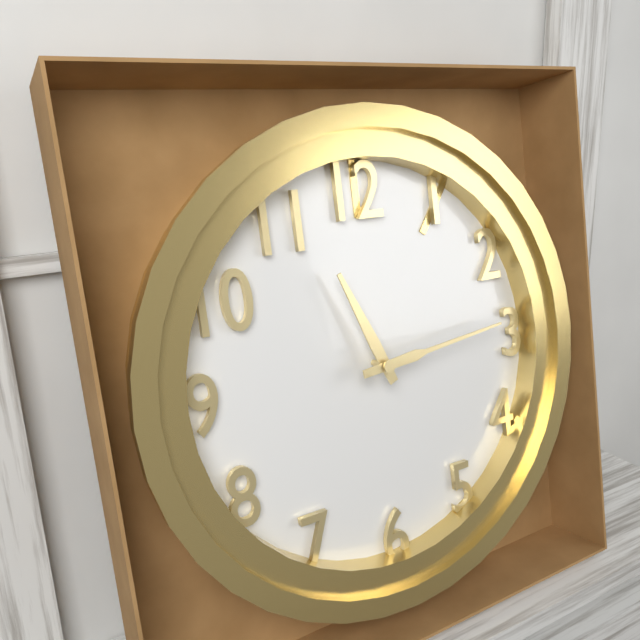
11:14
